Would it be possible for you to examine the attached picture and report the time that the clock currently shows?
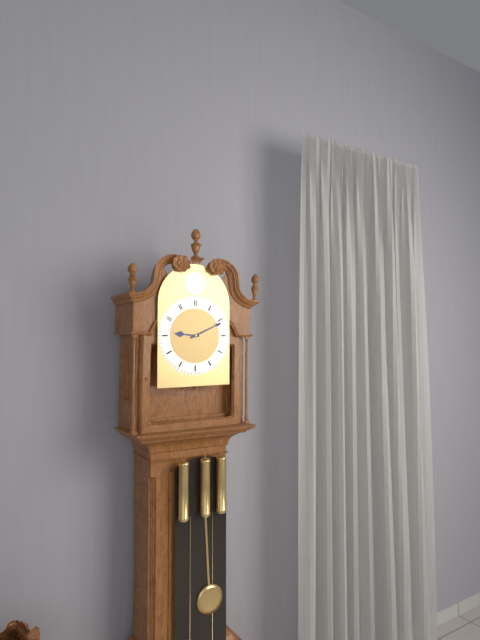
9:11
